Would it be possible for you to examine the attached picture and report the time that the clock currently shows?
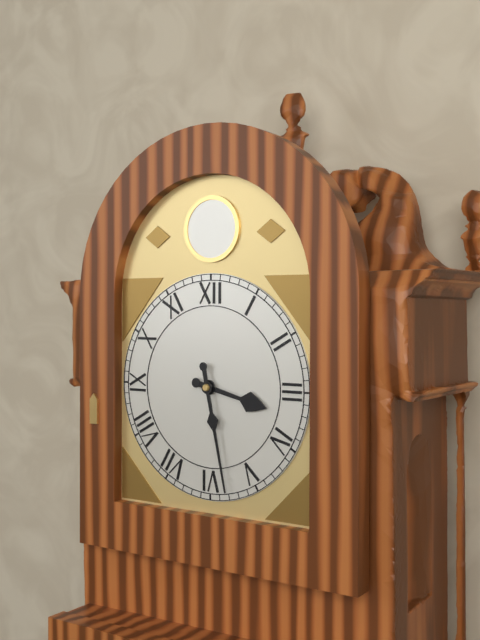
3:28
